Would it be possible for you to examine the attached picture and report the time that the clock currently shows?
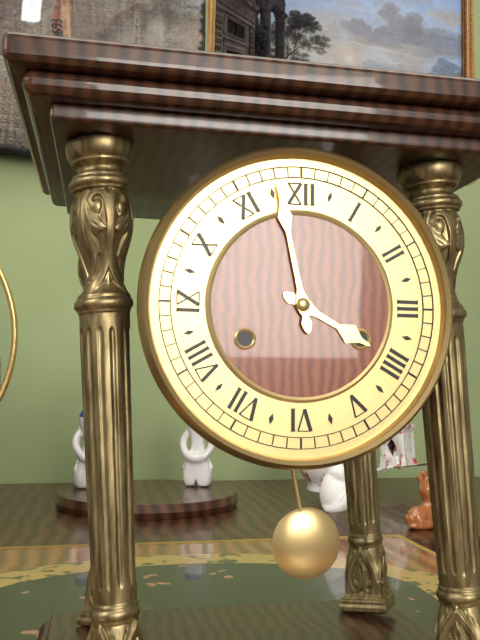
3:58
